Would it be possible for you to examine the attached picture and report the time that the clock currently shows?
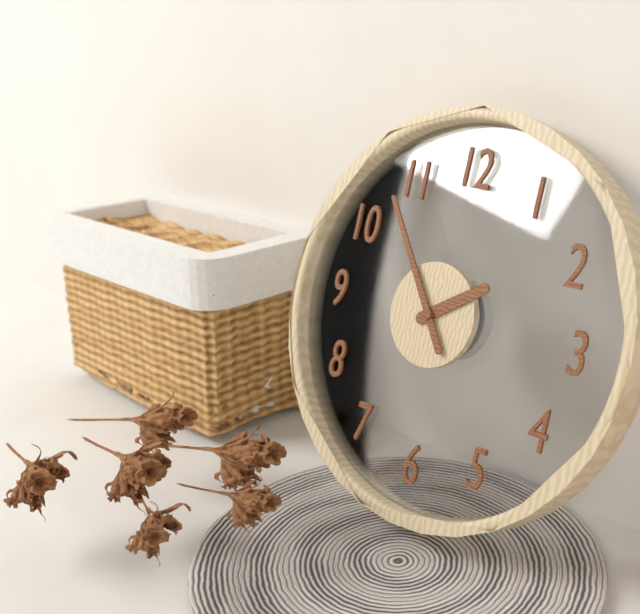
1:54
